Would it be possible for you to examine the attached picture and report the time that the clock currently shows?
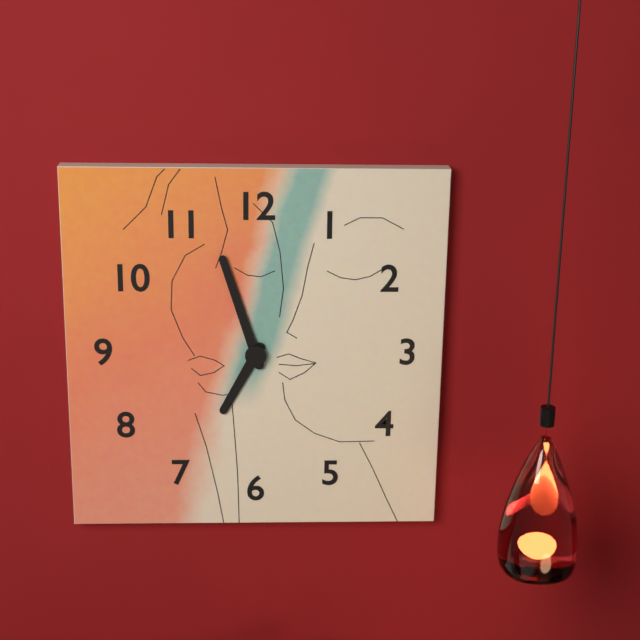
6:57
